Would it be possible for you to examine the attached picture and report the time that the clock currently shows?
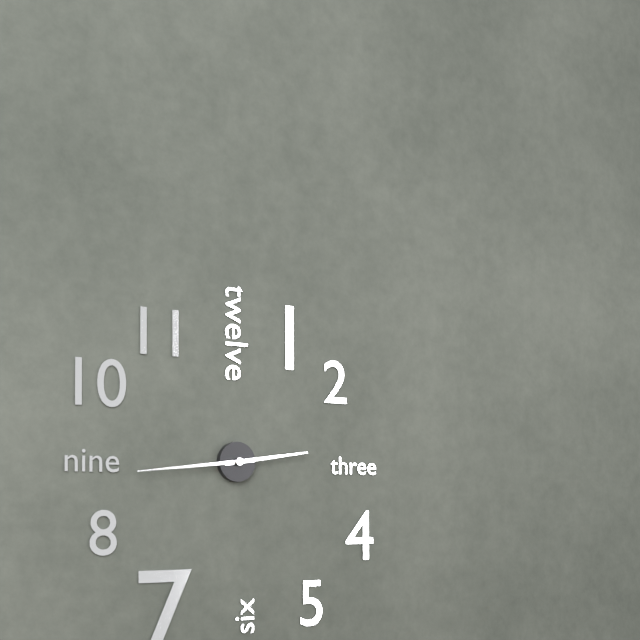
2:44
